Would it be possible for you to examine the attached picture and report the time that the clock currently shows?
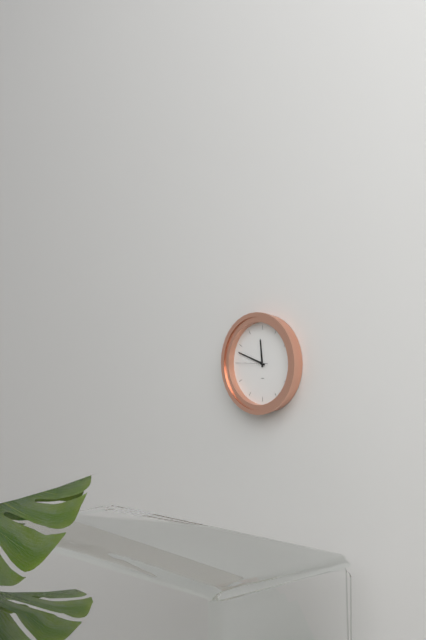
11:48
